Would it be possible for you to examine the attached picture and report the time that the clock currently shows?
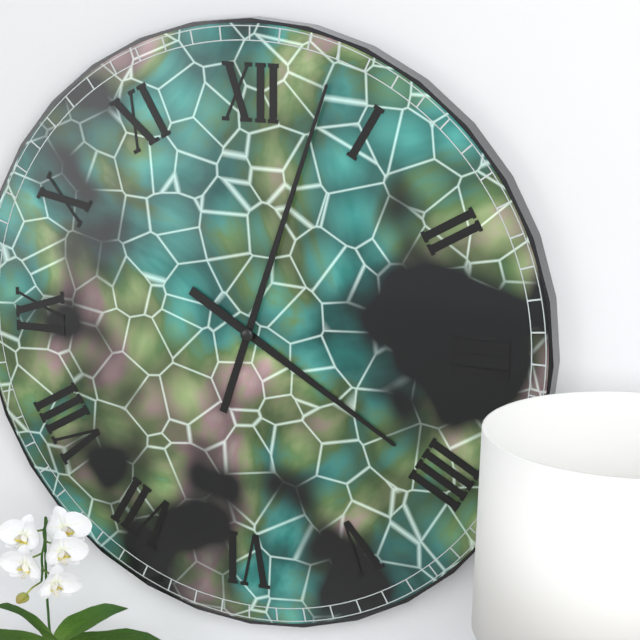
4:03
